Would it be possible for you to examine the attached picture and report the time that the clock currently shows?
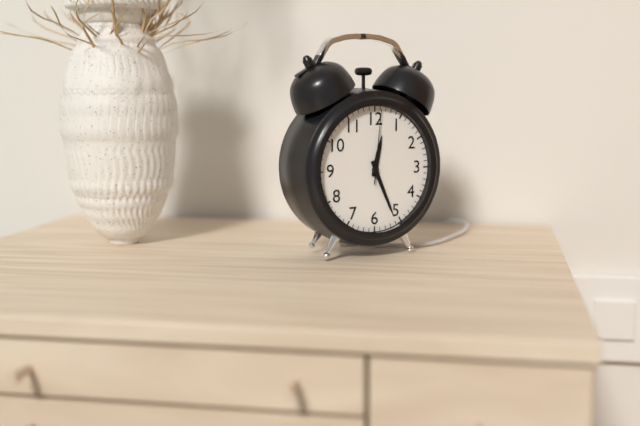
12:26:01
